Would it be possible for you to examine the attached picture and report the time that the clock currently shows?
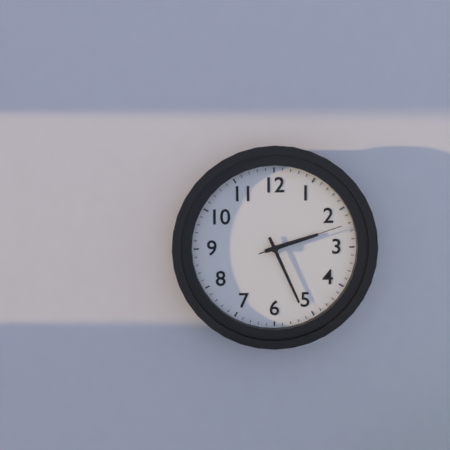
2:26:12
